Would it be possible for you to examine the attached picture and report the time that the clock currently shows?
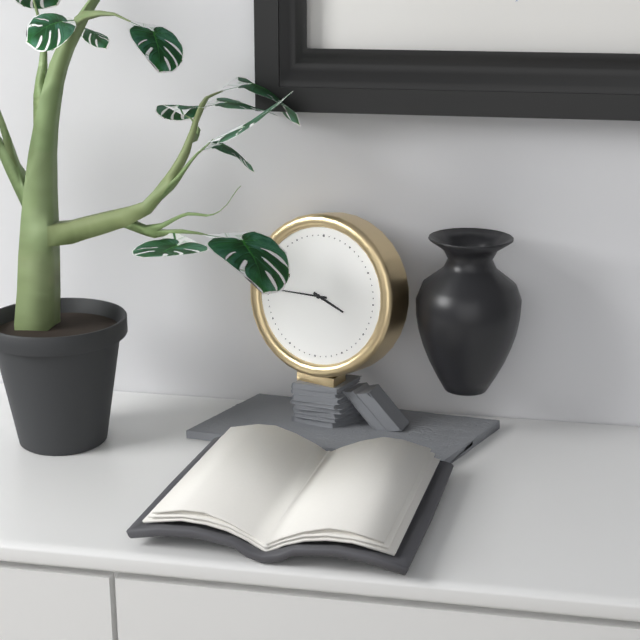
3:45
